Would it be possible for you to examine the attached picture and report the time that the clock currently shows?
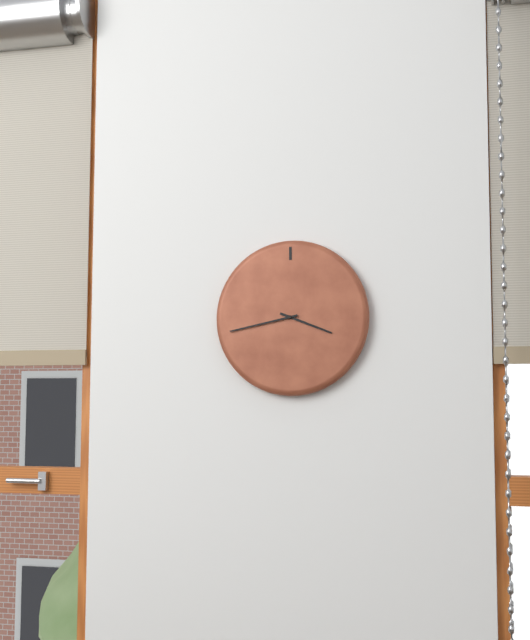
3:43
